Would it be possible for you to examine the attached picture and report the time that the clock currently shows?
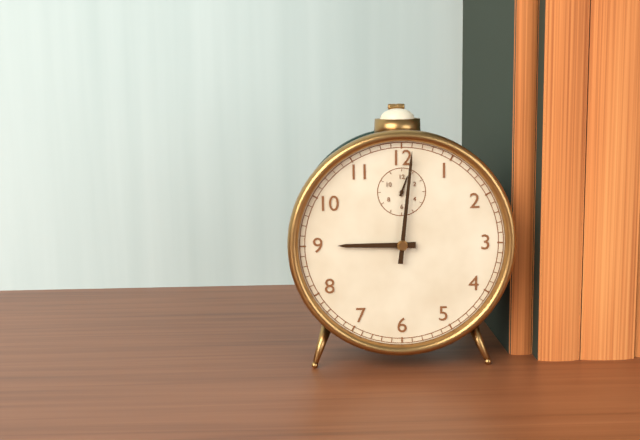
9:01
